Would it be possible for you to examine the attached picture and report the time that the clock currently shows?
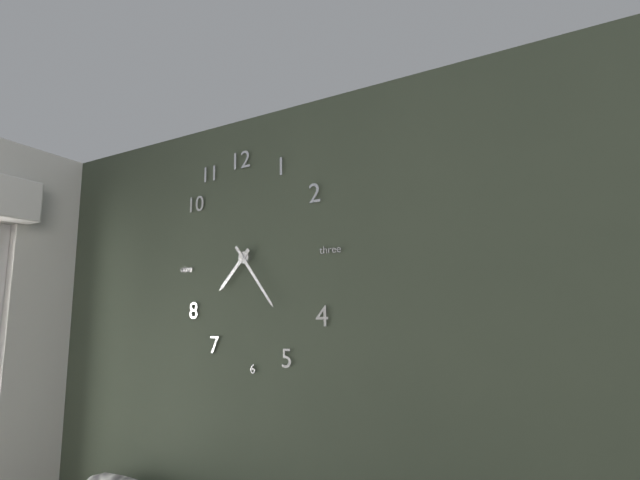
7:24
